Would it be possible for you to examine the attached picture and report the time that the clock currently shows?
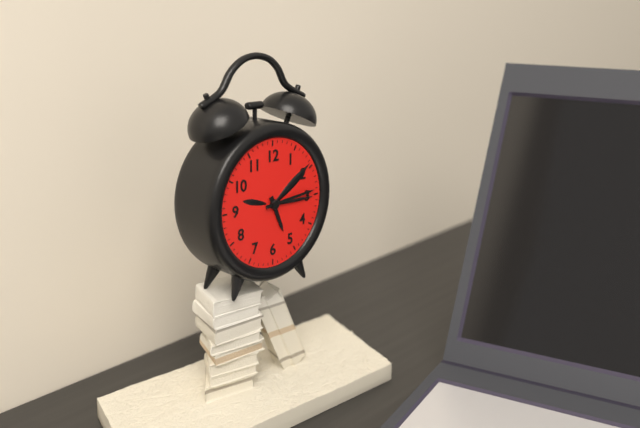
5:14
